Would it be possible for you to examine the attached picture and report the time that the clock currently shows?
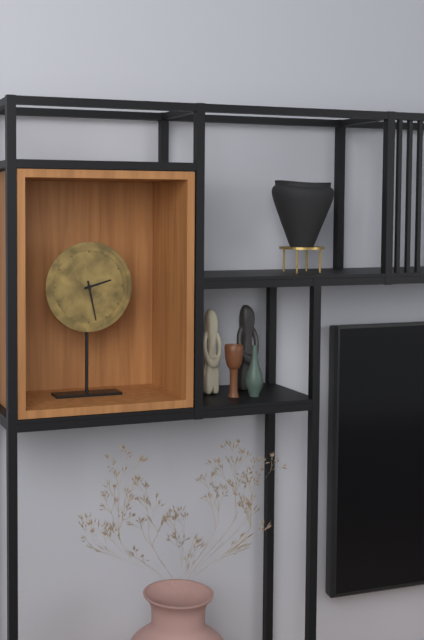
2:28
